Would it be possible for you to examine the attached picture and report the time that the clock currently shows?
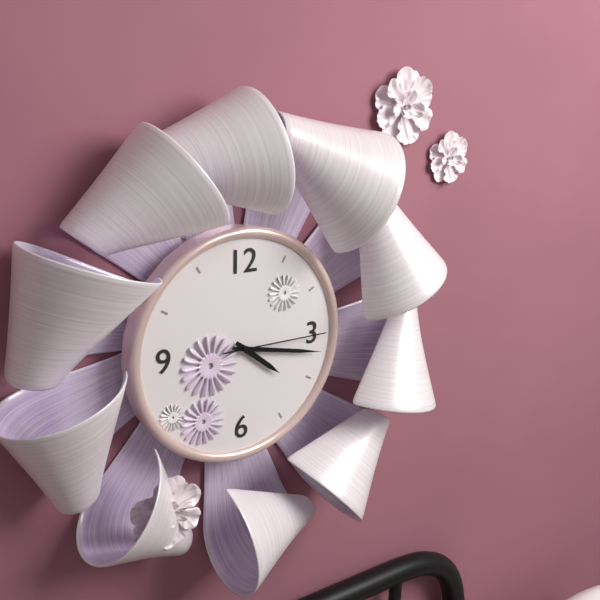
4:17:15
